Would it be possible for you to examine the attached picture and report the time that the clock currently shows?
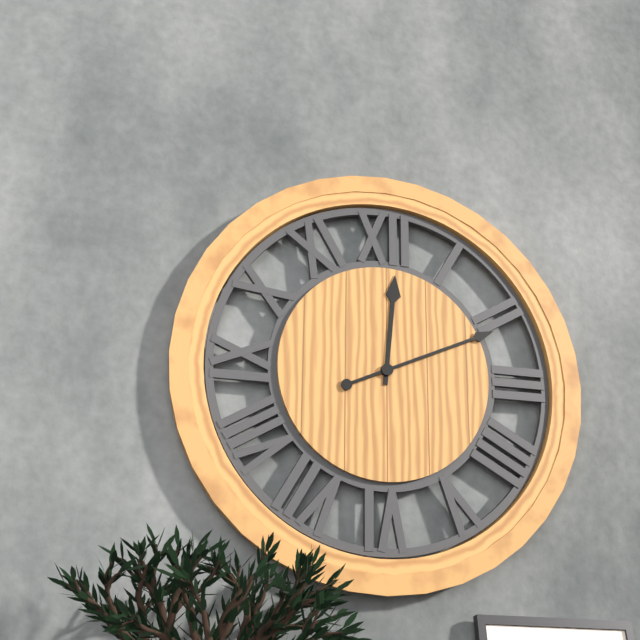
12:11
